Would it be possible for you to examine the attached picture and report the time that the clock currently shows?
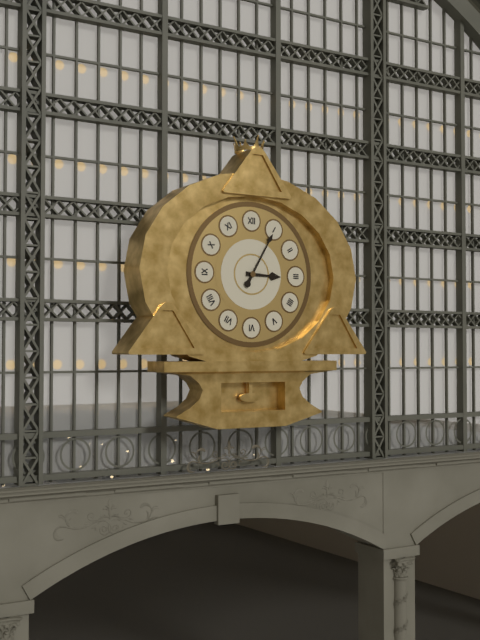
3:05
